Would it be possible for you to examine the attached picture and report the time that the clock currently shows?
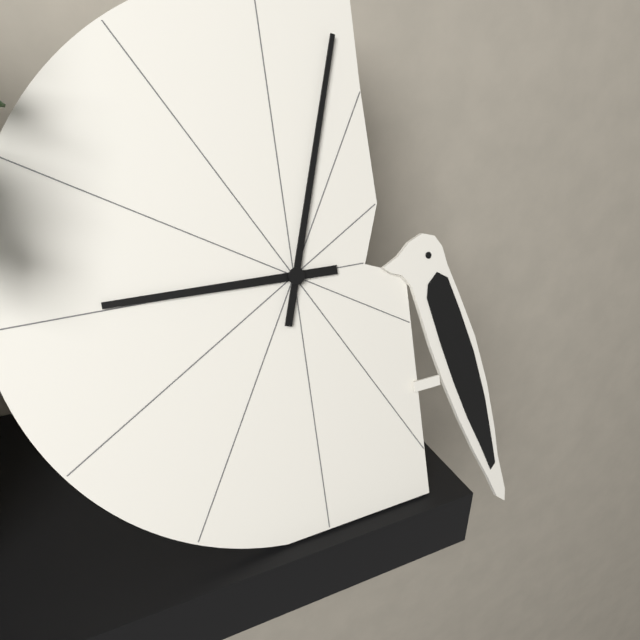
9:03
